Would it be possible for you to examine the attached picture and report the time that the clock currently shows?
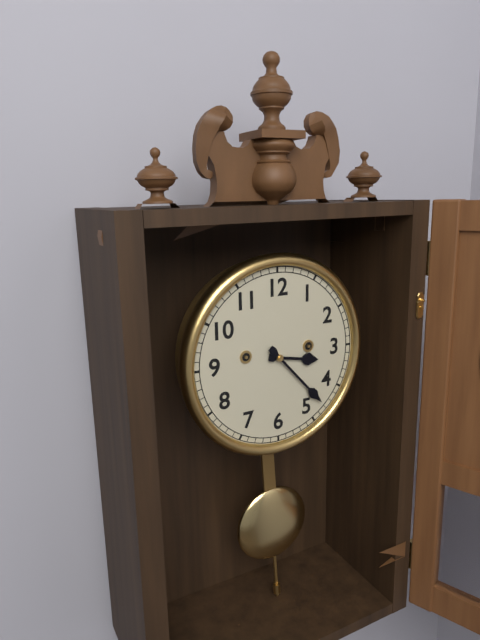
3:23
